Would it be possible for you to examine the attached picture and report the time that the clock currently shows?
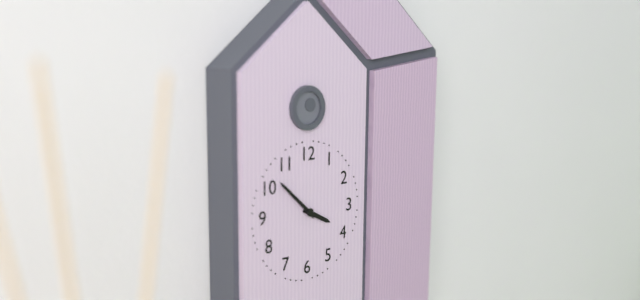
3:52
